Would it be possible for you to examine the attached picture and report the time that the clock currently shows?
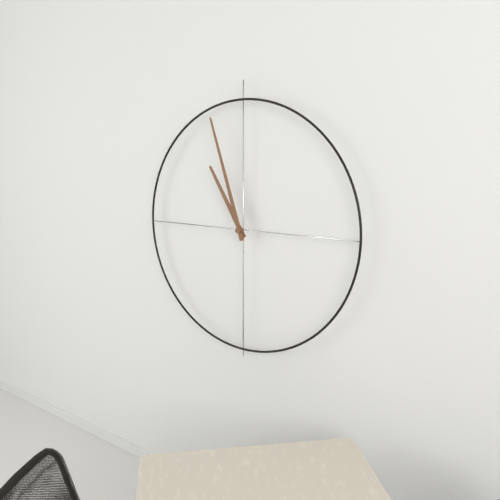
10:57
